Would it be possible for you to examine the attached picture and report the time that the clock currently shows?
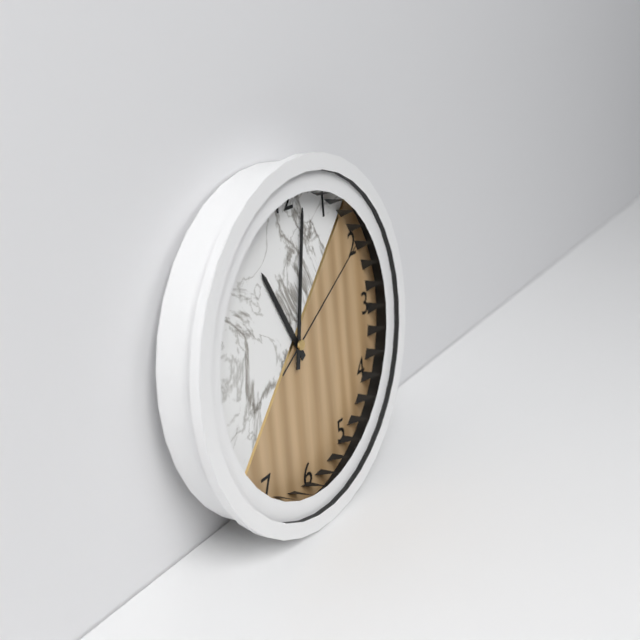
11:02:10
